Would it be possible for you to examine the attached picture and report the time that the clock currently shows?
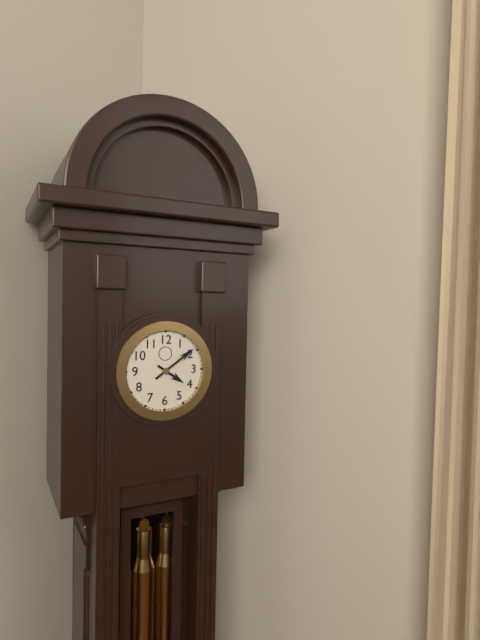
4:09
